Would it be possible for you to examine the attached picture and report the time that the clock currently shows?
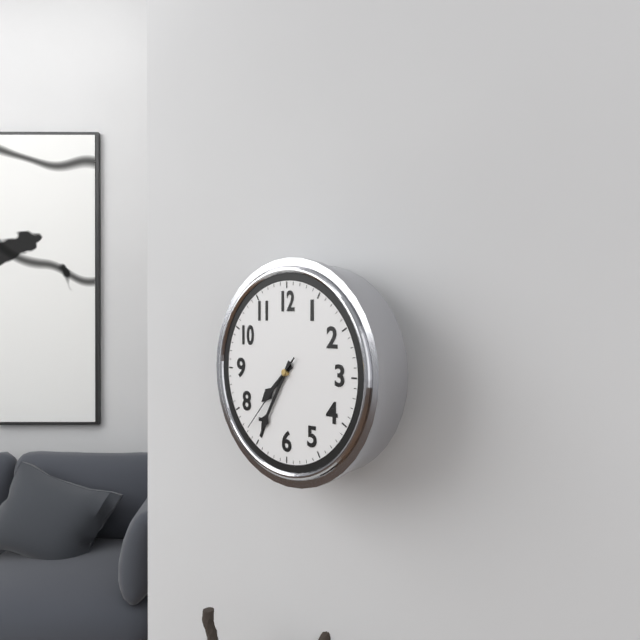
7:35:37
